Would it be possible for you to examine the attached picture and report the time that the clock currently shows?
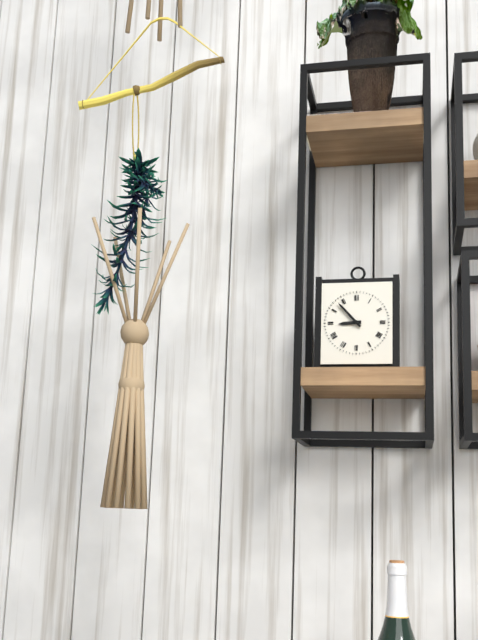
8:53
